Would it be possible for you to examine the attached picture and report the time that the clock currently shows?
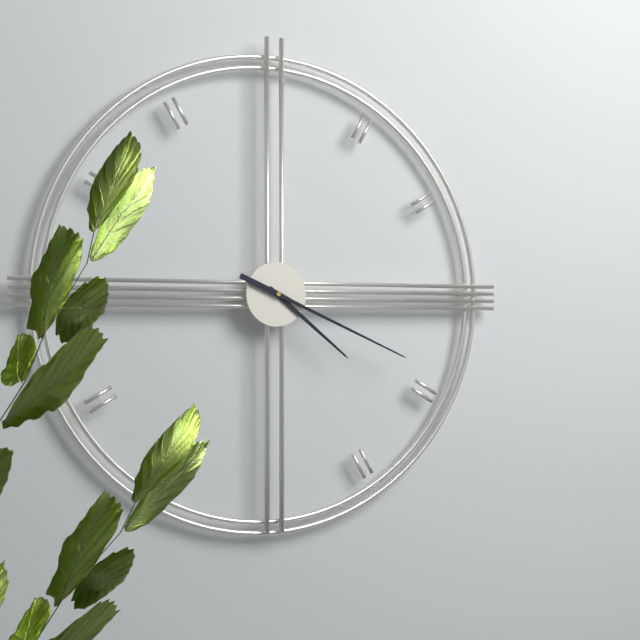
4:19
